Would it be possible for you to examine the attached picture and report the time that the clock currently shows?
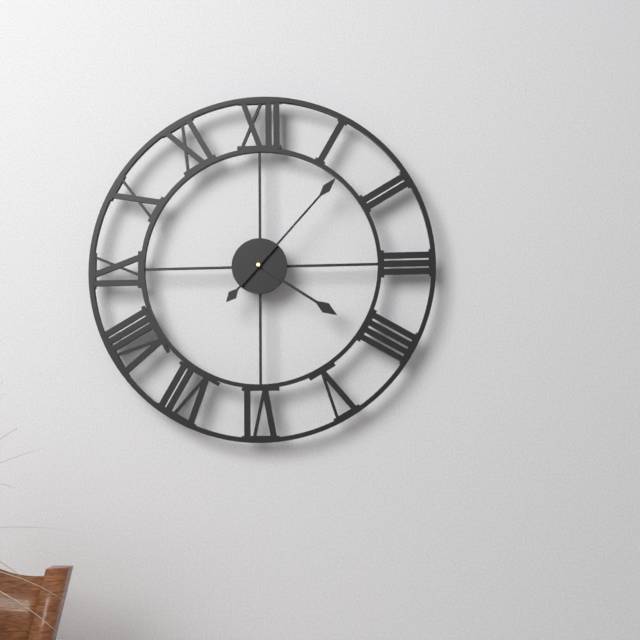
4:07
